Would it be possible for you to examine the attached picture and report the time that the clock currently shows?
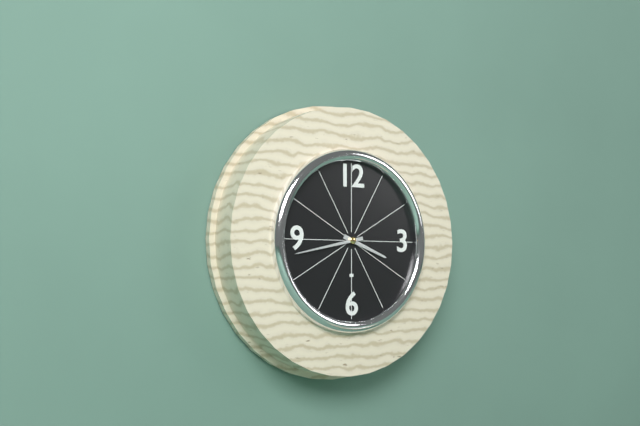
3:43
